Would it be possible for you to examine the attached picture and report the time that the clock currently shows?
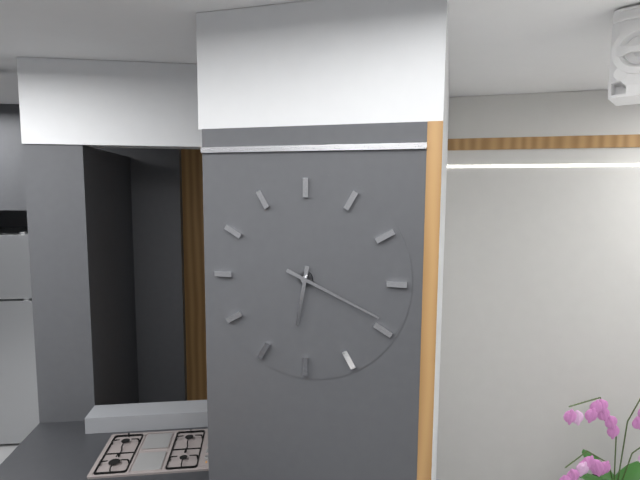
6:19
